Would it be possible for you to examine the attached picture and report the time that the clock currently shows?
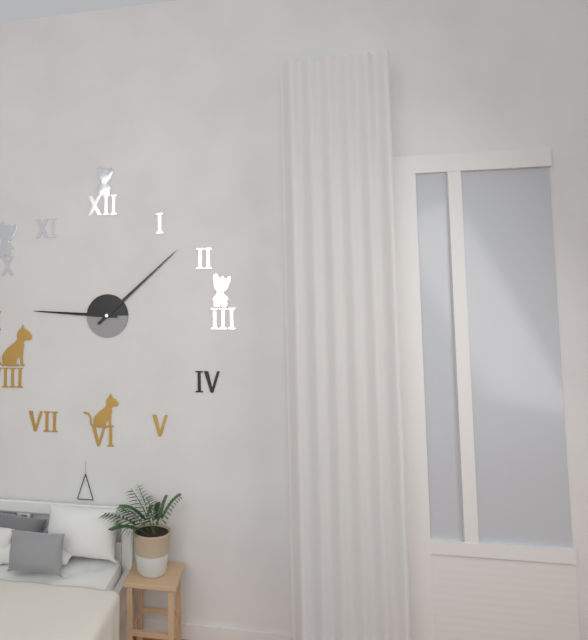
9:08
